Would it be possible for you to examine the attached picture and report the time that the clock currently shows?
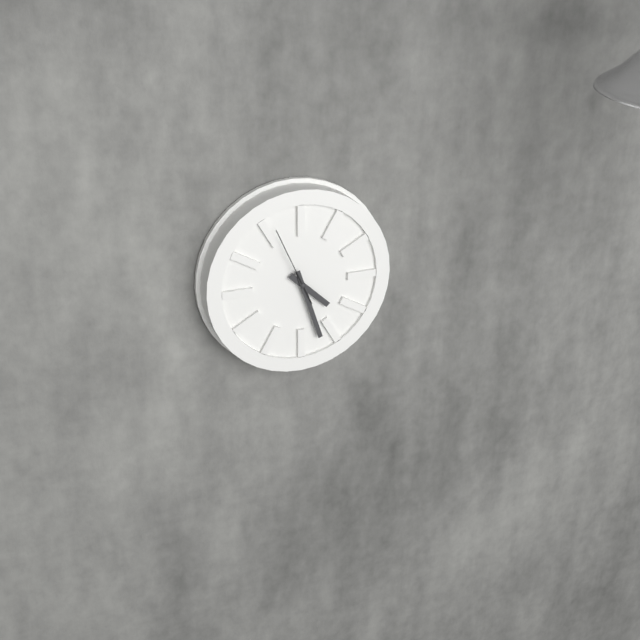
4:27:56
